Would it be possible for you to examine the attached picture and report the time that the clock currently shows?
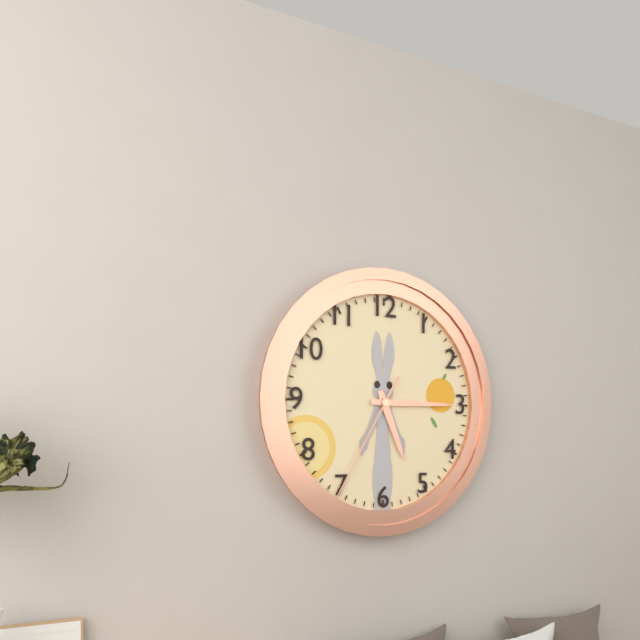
5:15:35
